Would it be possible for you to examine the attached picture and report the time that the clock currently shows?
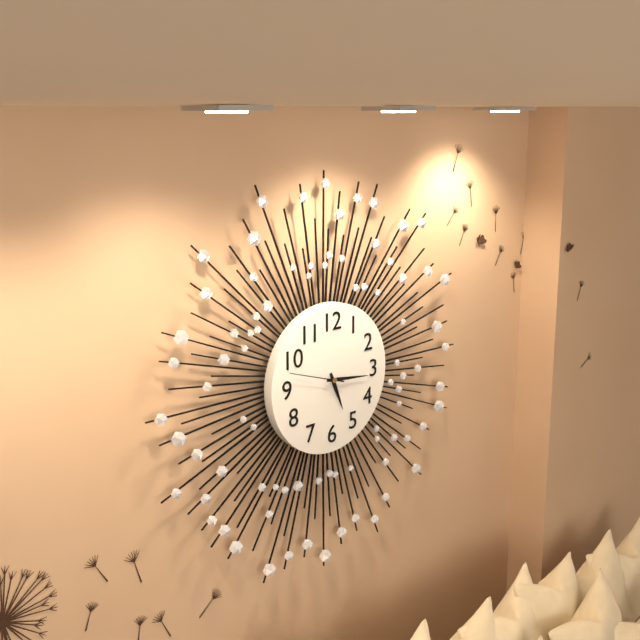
5:16:48
